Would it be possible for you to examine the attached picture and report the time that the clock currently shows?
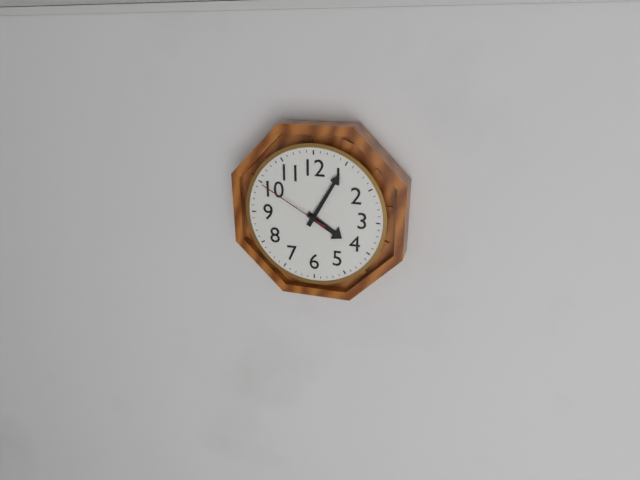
4:05:50
